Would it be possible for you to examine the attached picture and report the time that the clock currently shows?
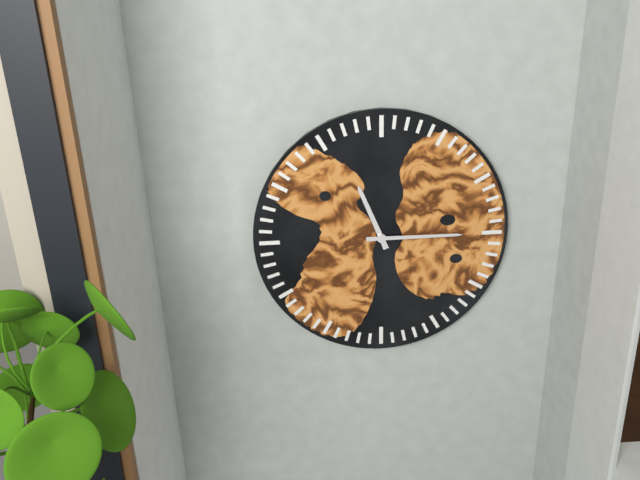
11:15
